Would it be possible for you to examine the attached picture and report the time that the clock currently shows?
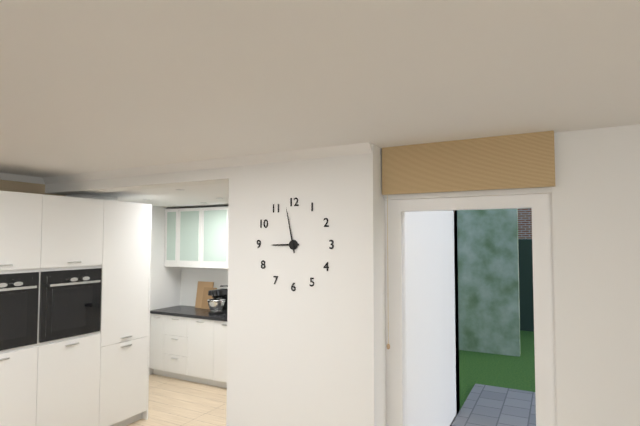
8:58
